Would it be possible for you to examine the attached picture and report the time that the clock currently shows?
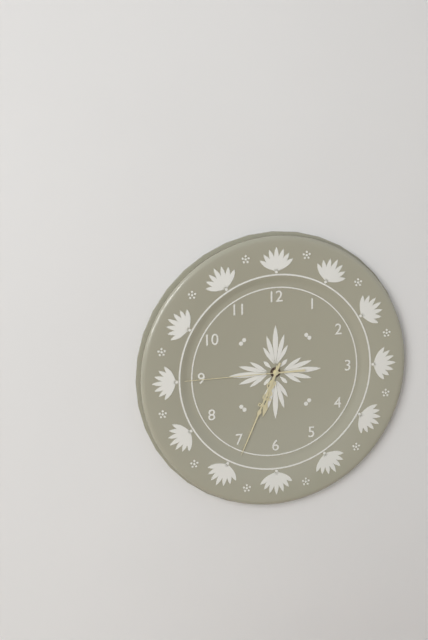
6:34:45
